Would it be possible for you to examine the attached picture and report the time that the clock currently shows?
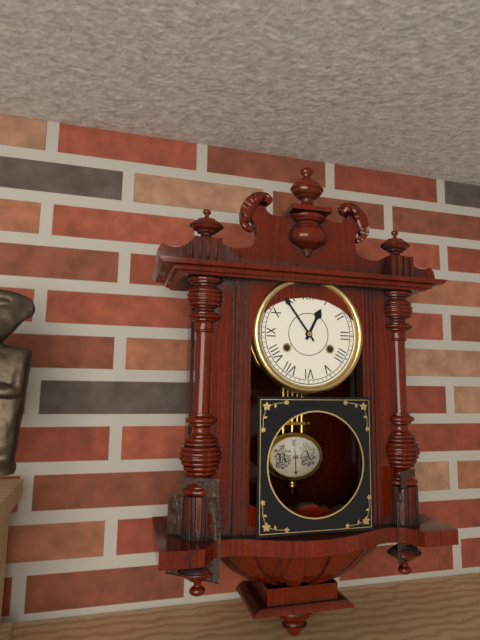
12:54
